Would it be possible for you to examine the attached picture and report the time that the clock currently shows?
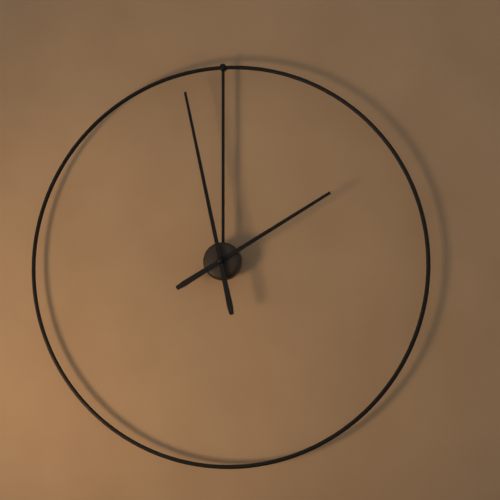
1:58
